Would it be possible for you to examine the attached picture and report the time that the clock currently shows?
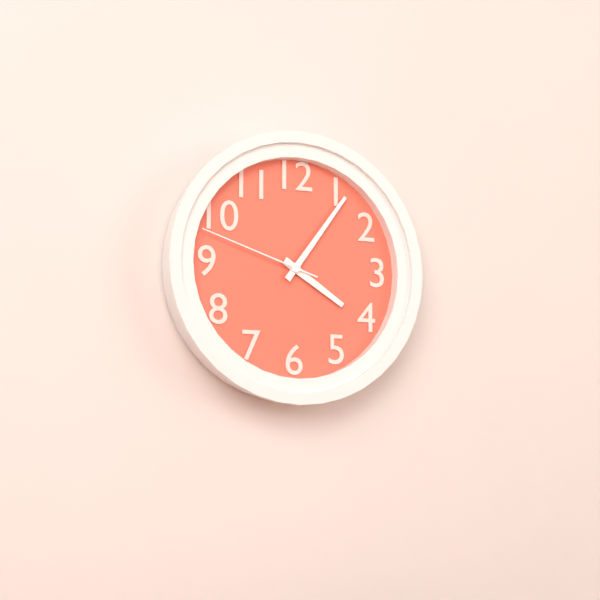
4:06:48
